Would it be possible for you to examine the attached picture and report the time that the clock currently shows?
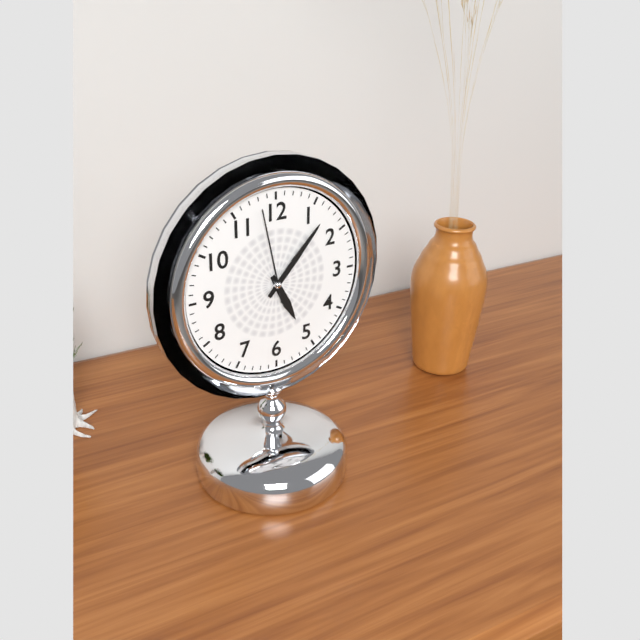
5:07:58
